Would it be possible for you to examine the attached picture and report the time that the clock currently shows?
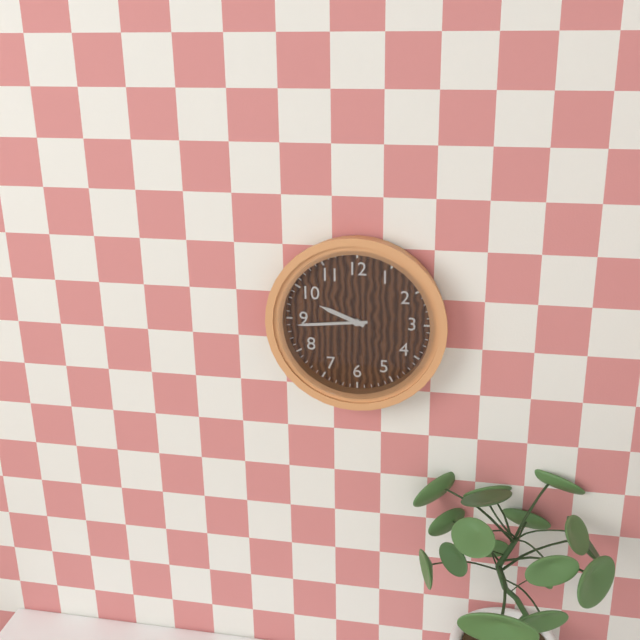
9:44
